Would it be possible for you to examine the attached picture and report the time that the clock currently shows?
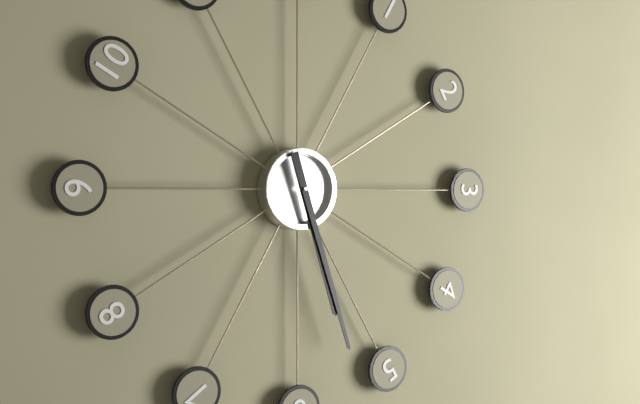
5:27
